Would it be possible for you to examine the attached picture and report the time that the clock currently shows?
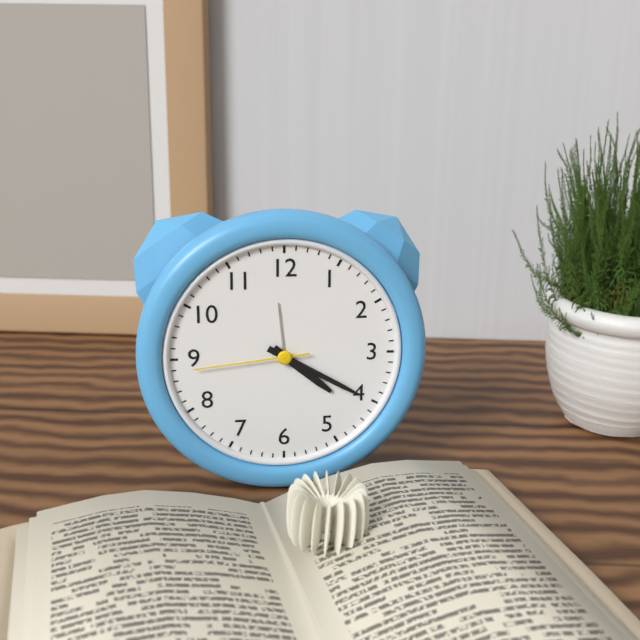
4:20:44
